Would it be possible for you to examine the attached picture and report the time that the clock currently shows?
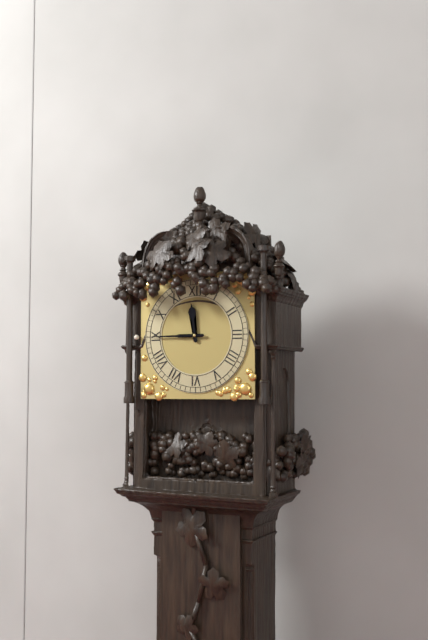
11:45
